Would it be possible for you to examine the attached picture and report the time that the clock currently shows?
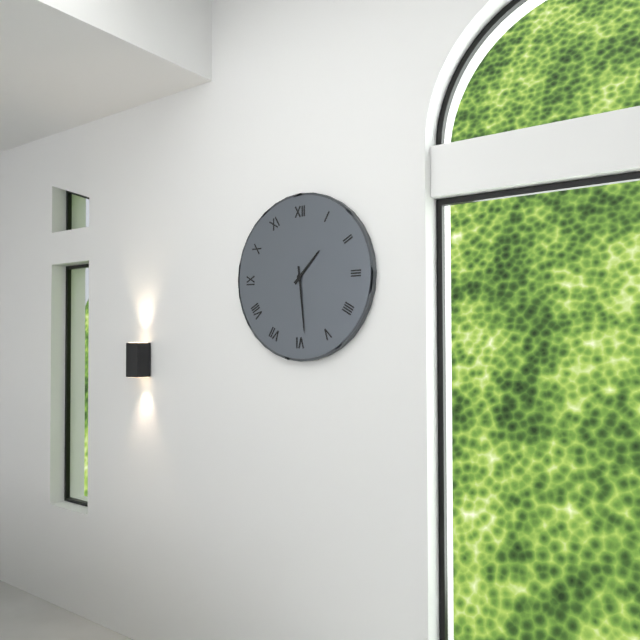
1:29
